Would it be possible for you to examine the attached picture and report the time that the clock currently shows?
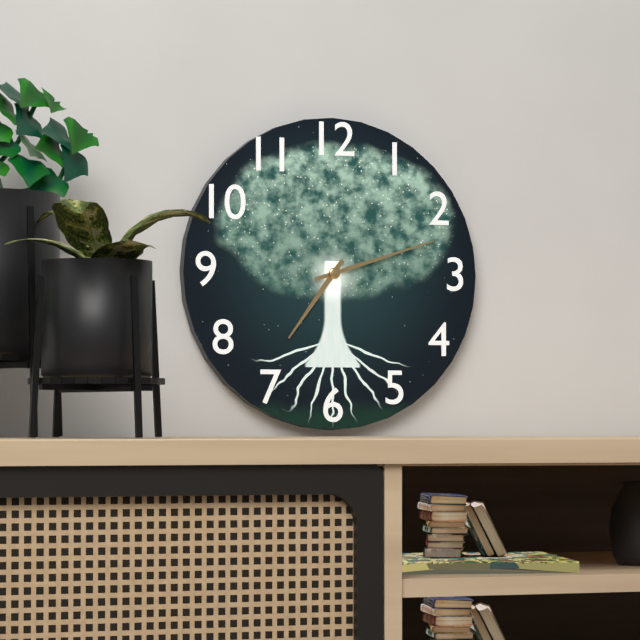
7:12
